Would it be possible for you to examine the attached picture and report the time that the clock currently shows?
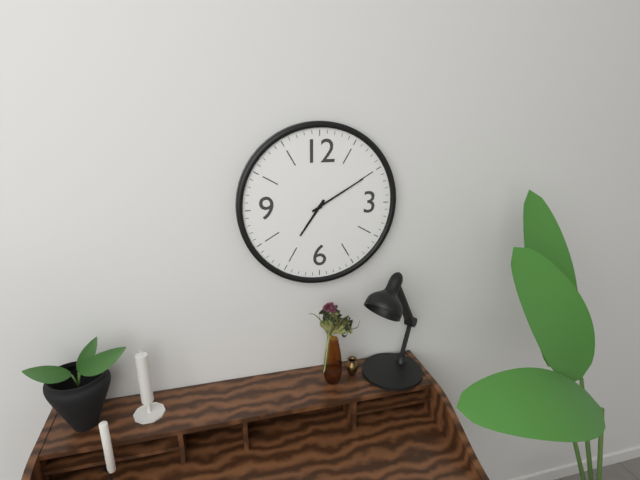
7:10
